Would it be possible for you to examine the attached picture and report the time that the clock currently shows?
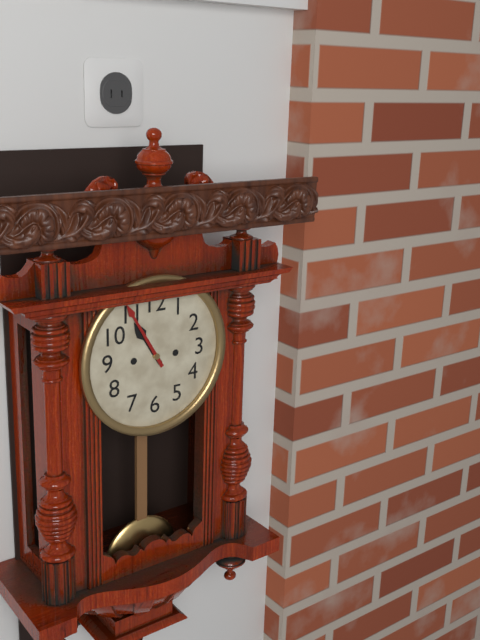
10:55
